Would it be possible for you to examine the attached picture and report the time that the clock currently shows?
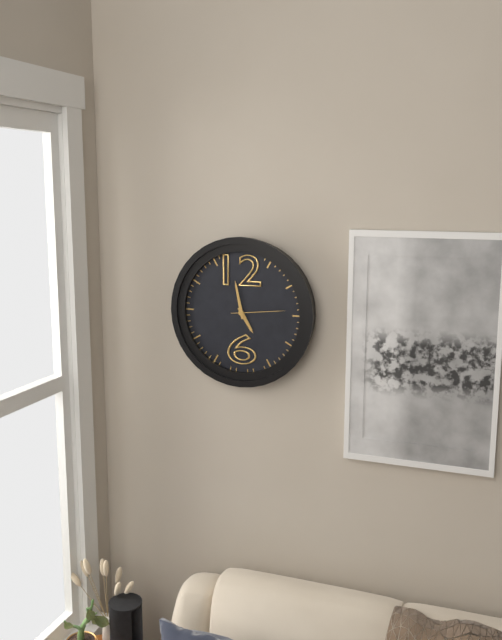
4:58:14
